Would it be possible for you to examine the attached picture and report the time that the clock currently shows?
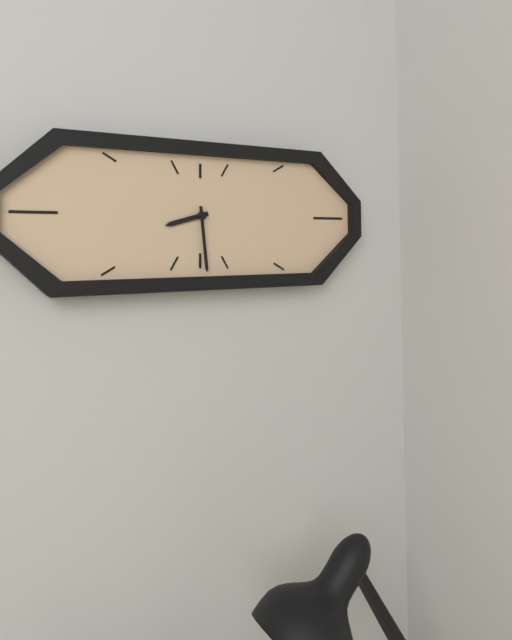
8:29
